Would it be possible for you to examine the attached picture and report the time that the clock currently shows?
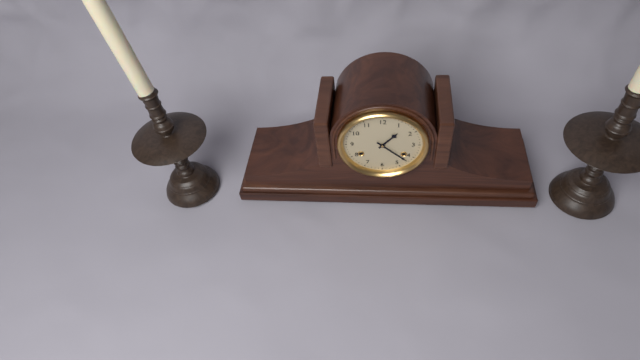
1:22
